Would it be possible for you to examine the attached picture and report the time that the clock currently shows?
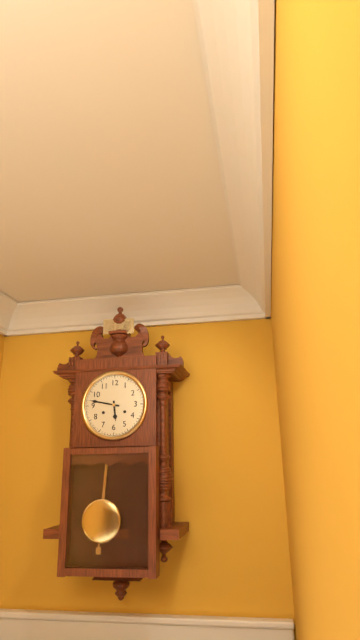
5:47
